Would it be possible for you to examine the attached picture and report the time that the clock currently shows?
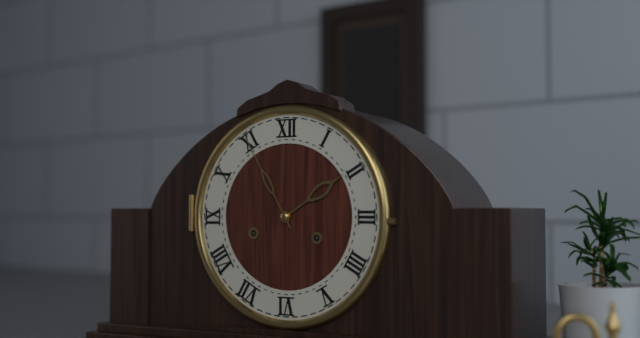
1:55
